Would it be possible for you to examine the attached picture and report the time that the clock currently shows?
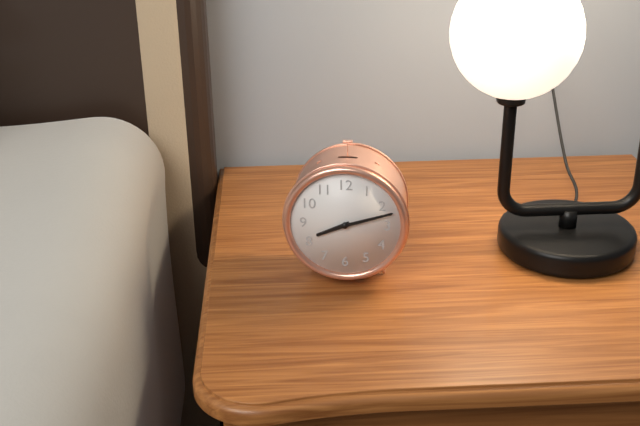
8:12
